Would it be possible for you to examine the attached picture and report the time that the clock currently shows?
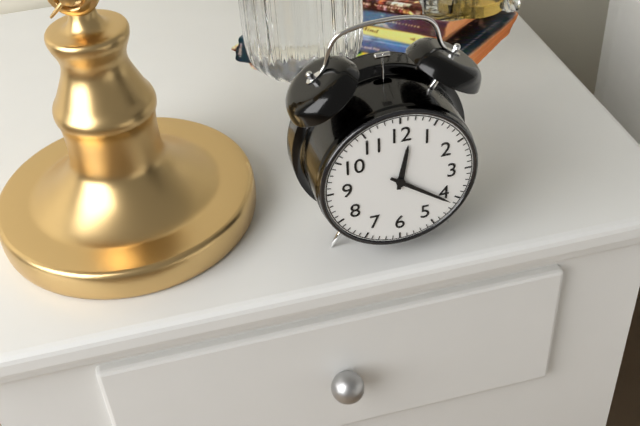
12:21
